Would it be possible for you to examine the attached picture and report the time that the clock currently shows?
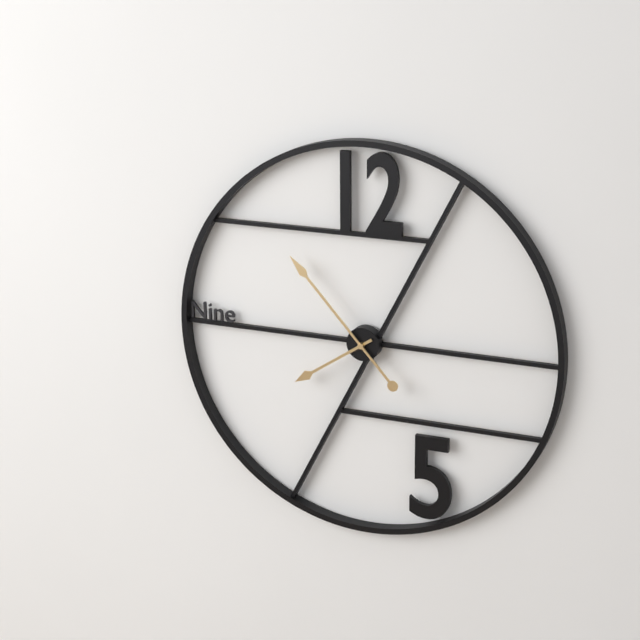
7:53
